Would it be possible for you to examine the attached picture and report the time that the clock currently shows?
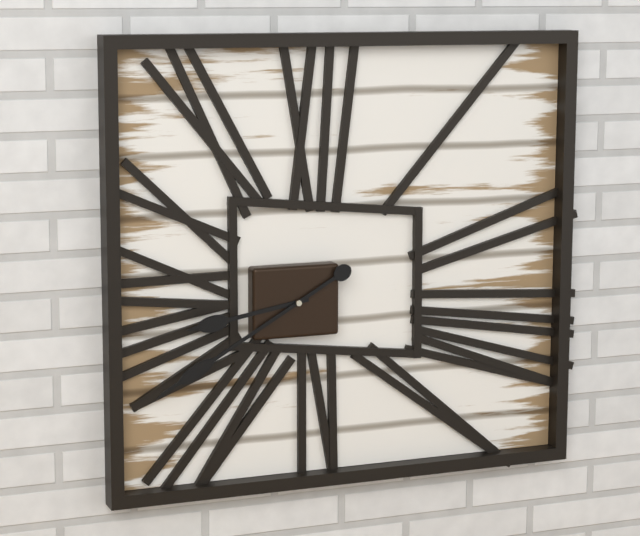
8:40
